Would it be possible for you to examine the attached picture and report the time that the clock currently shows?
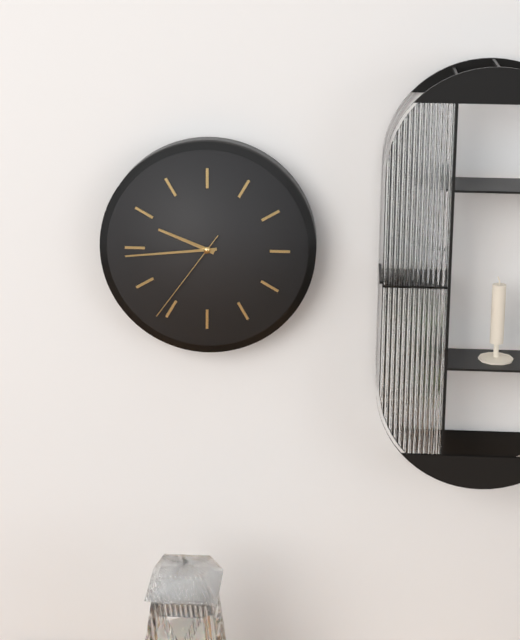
9:44:36
